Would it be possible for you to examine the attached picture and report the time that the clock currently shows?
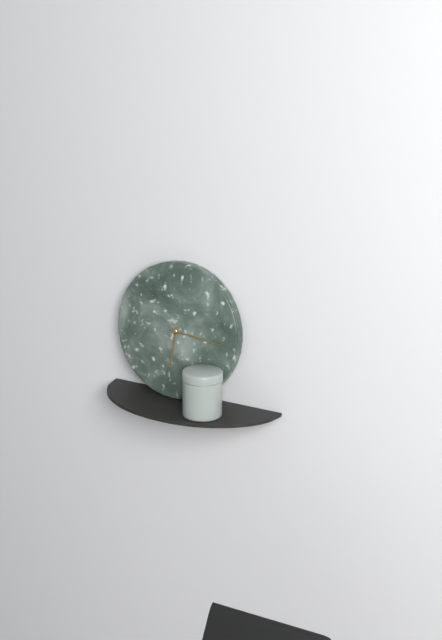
6:16
